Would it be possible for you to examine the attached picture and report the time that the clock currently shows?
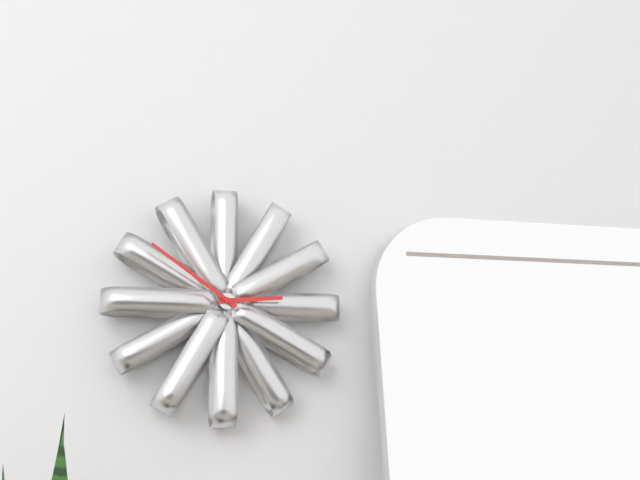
2:51
